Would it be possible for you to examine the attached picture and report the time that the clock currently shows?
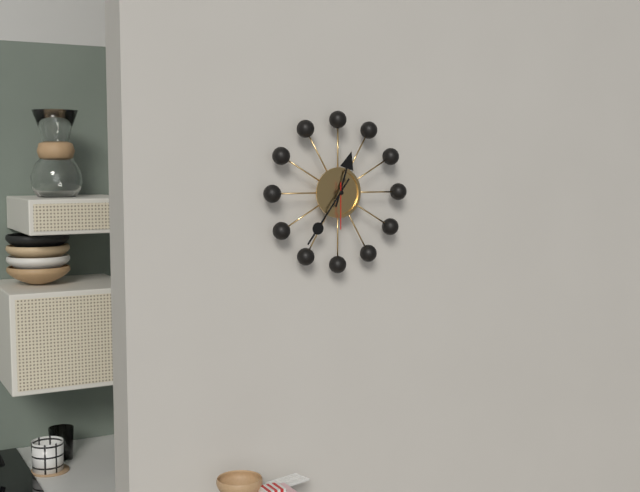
12:36
